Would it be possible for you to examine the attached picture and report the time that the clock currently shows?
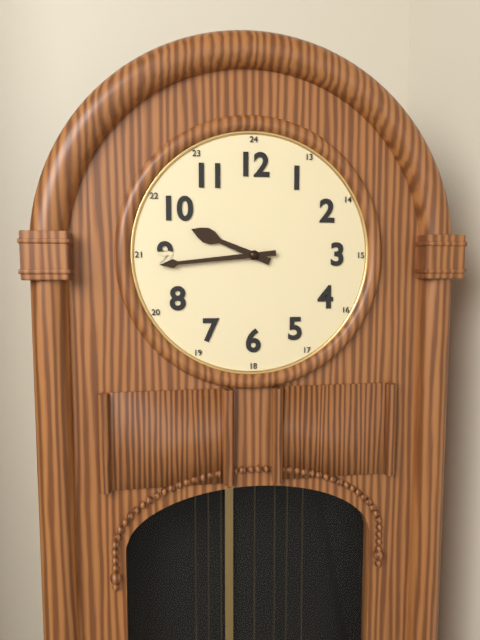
9:44
